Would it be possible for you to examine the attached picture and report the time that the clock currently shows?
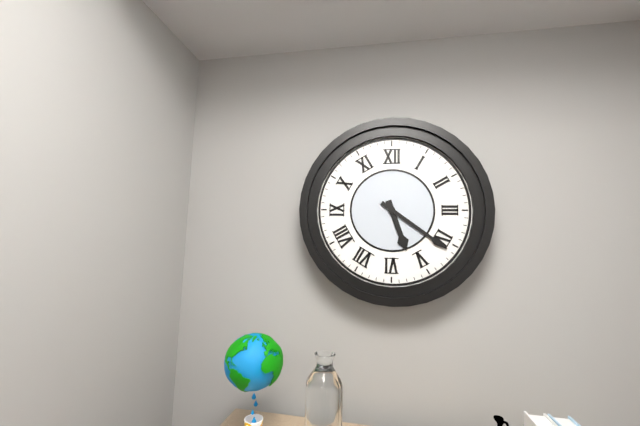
5:21
